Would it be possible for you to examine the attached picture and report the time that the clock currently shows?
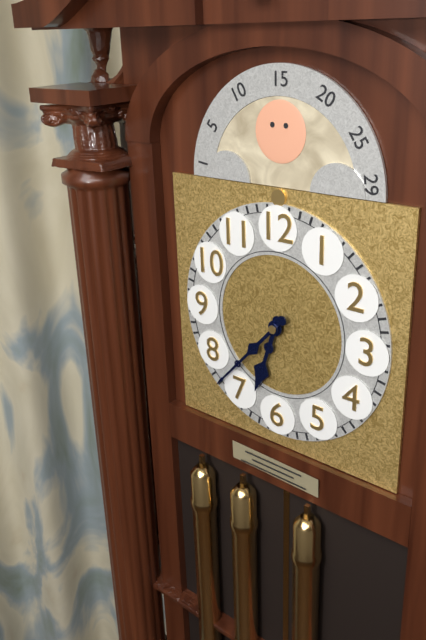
6:37
